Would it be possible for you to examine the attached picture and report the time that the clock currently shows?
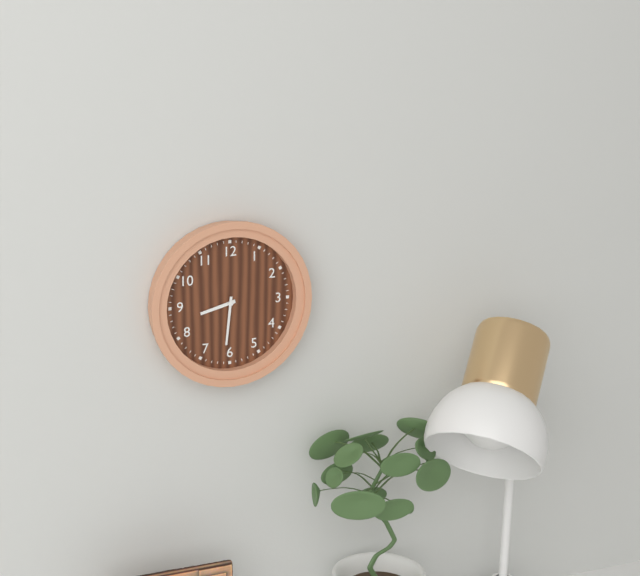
8:31
